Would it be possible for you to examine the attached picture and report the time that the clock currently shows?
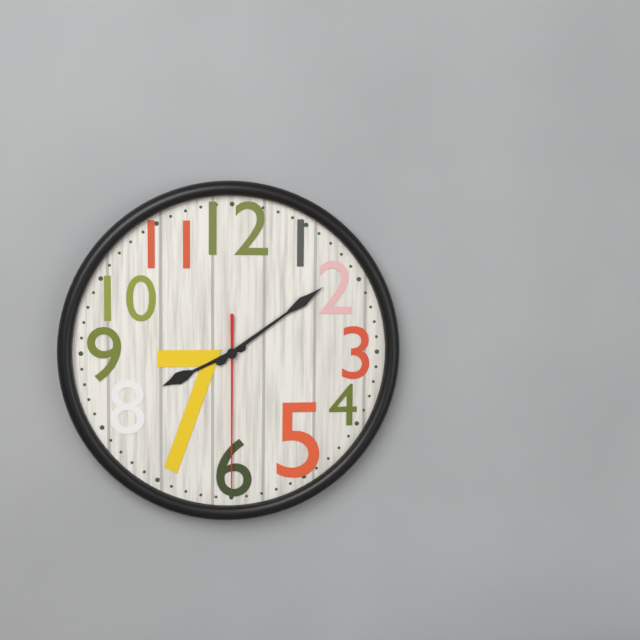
8:09:30
